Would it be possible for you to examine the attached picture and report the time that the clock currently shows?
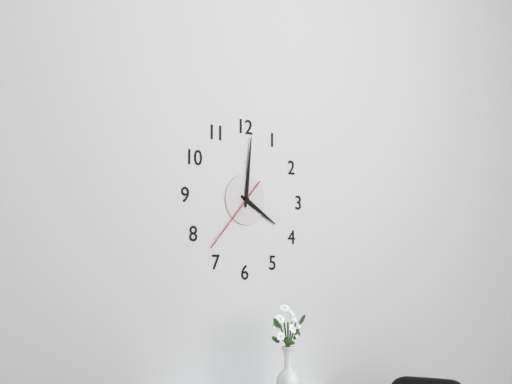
4:01:37
